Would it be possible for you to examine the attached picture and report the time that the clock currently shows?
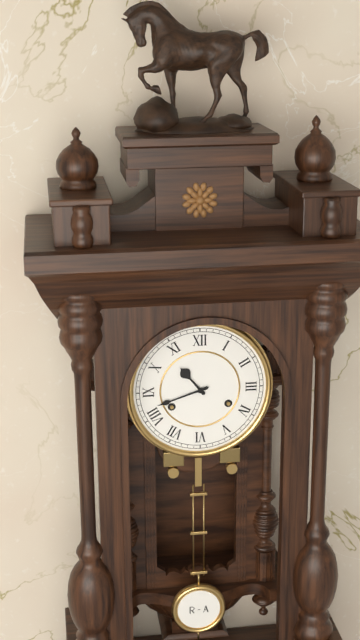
10:42
